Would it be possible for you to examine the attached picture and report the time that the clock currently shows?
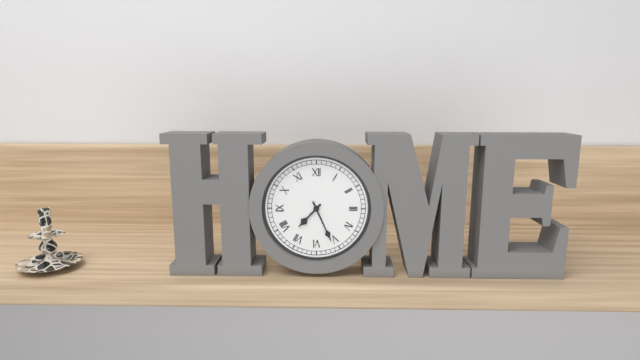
7:26
